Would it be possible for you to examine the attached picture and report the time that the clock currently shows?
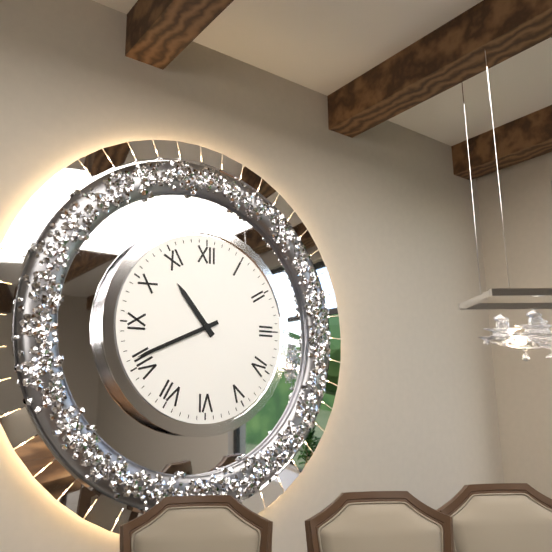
10:41
